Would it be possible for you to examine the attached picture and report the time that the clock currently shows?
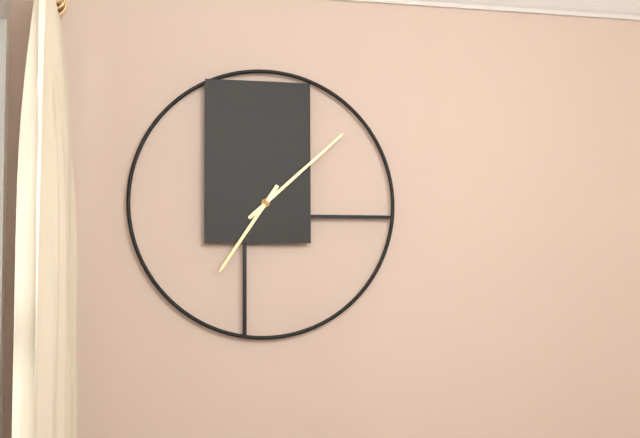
7:08
